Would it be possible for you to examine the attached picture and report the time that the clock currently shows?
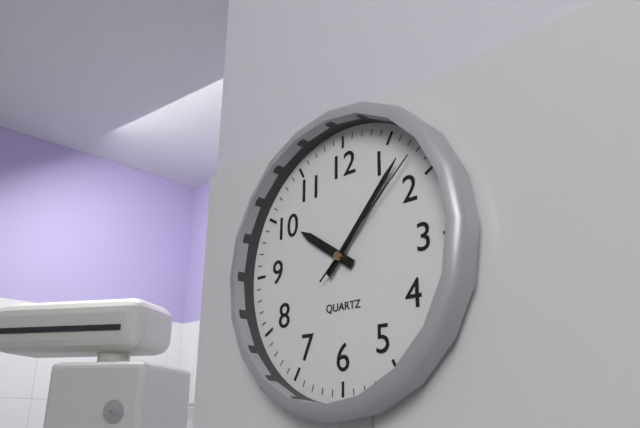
10:07:08
